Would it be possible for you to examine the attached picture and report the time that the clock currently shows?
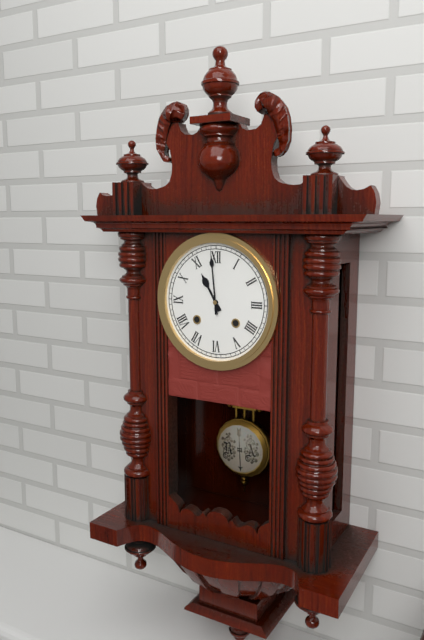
10:59
